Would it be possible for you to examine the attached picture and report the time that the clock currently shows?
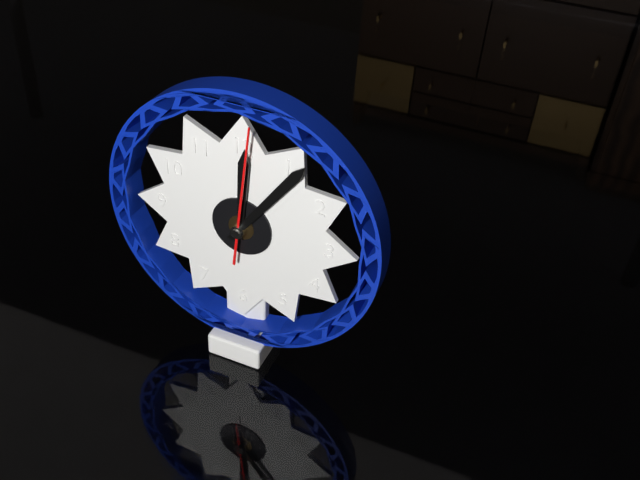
12:06:01
